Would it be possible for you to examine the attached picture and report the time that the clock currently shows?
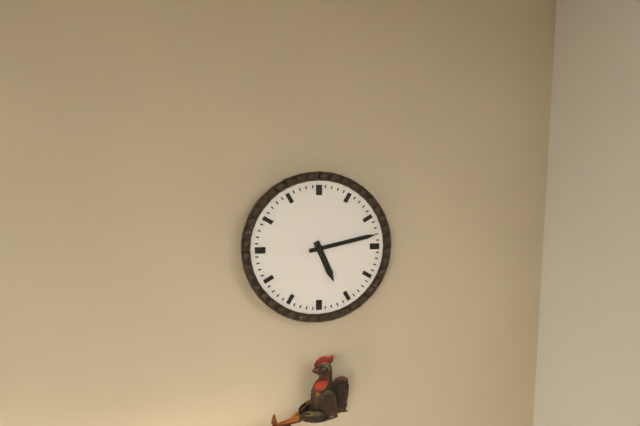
5:13
